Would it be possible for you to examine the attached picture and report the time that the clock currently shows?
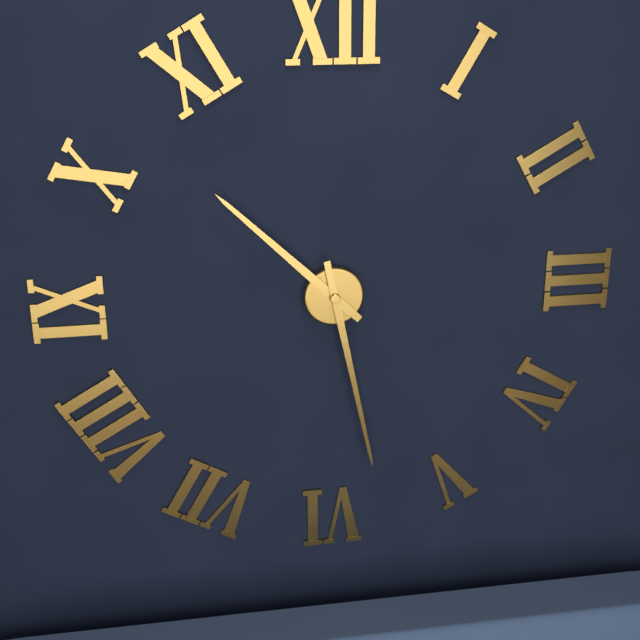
10:28
